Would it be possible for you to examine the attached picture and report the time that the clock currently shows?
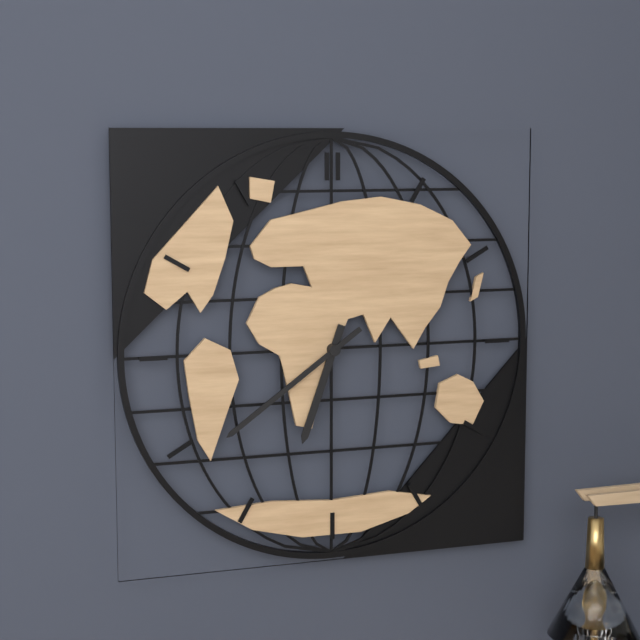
6:39
